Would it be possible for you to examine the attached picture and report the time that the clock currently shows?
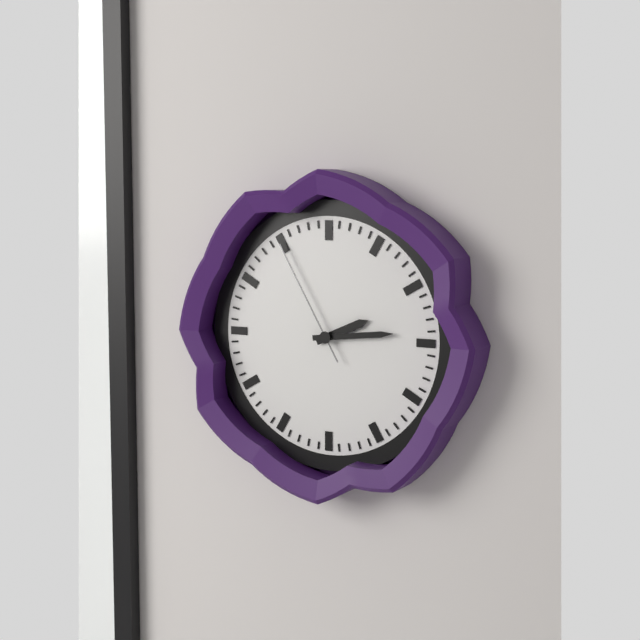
2:14:55
